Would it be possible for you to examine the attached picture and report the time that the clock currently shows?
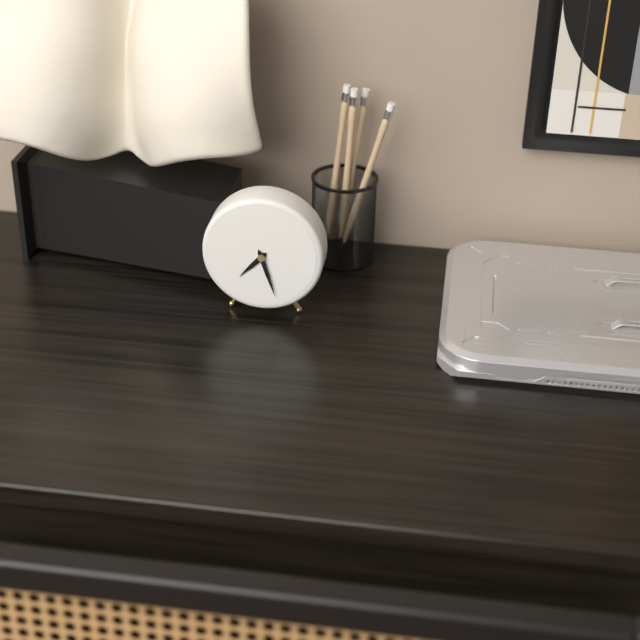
7:27
